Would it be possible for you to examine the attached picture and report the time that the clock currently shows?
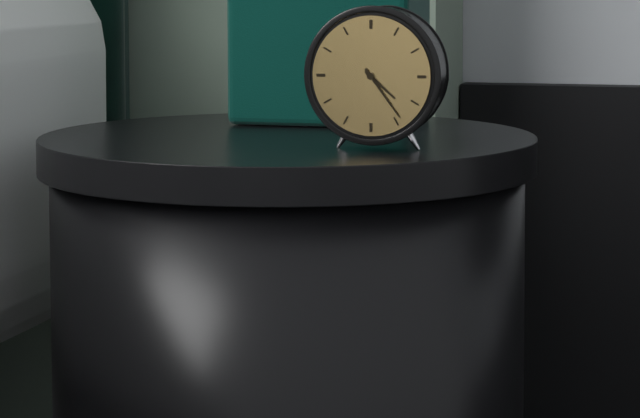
4:24
